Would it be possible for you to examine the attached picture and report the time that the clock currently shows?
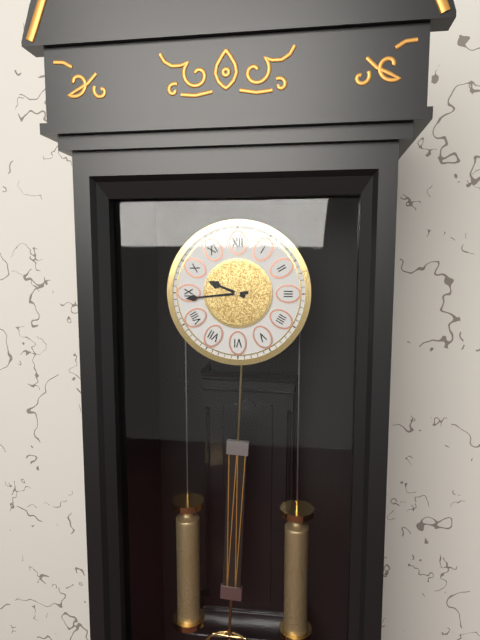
9:44
